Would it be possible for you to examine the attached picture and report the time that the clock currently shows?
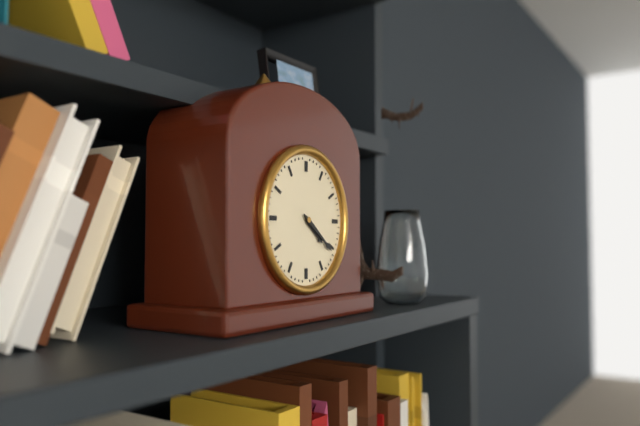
4:21
